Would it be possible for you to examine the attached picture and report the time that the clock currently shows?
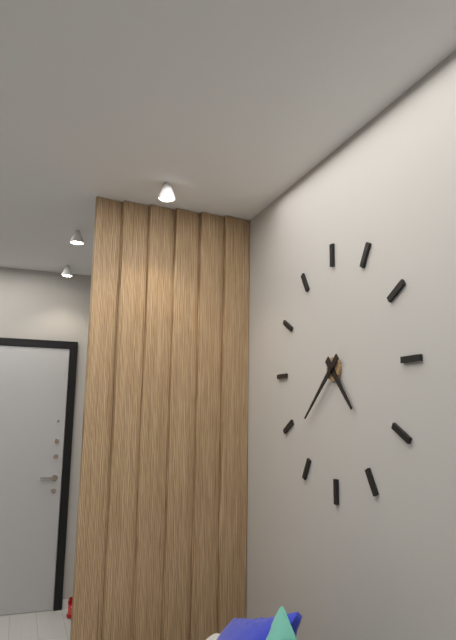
4:38
